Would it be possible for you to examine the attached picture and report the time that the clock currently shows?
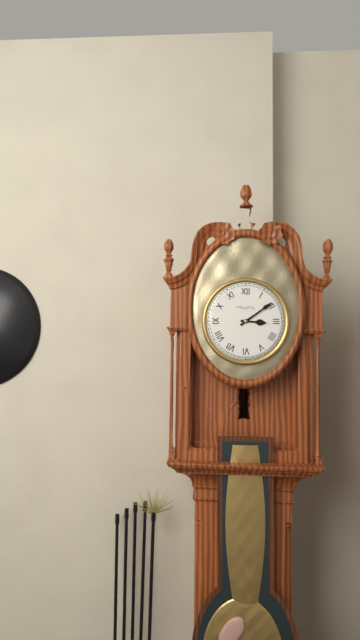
3:09
